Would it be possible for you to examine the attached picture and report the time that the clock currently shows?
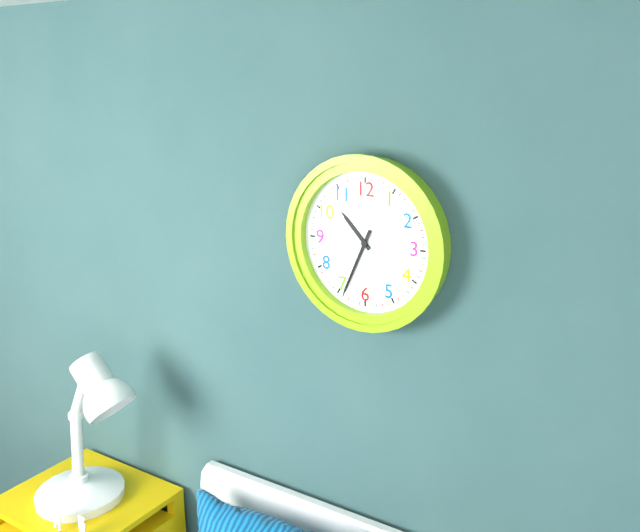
10:34
